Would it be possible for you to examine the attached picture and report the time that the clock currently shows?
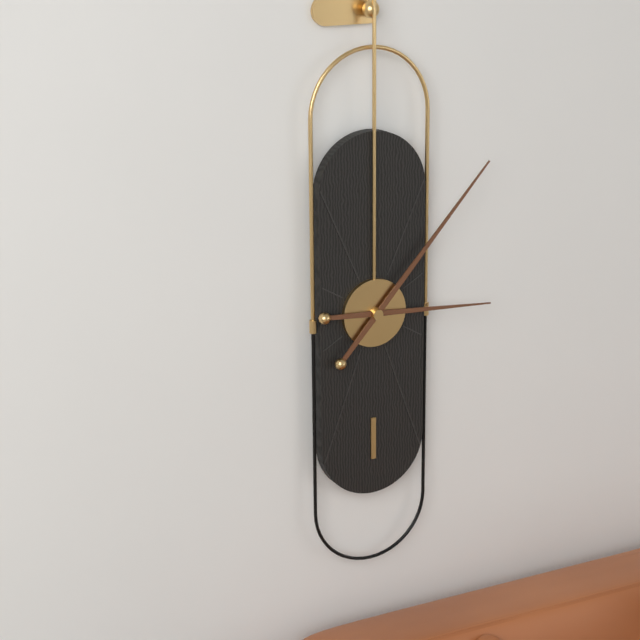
3:07
